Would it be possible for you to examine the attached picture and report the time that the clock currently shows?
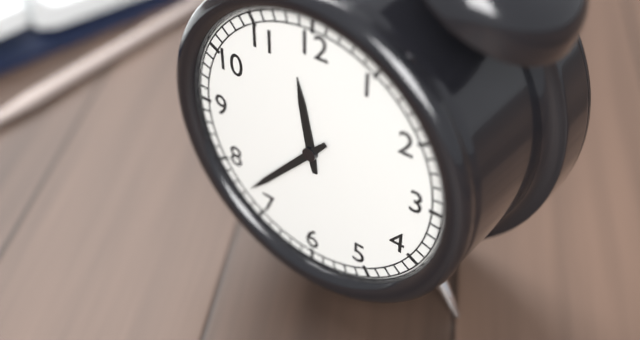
11:37
